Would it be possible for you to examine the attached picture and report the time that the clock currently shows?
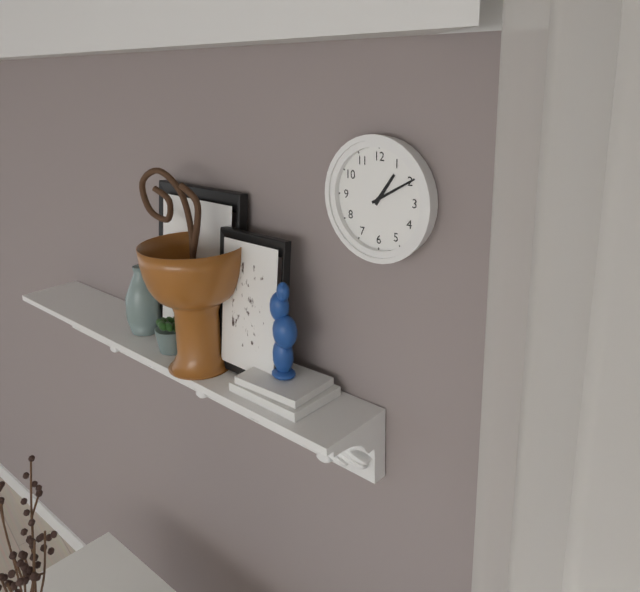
1:10
